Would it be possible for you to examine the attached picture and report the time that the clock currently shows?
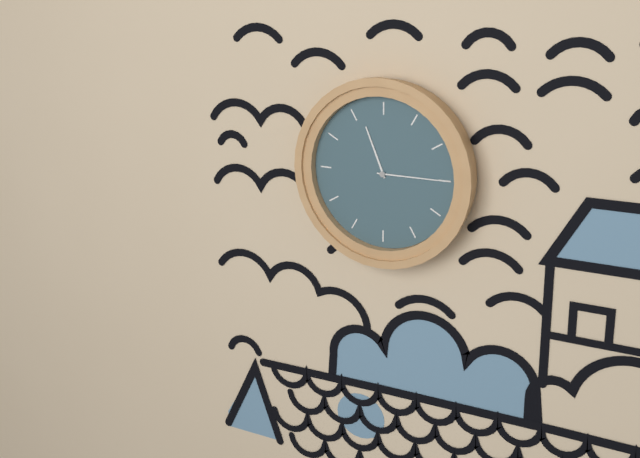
11:15
